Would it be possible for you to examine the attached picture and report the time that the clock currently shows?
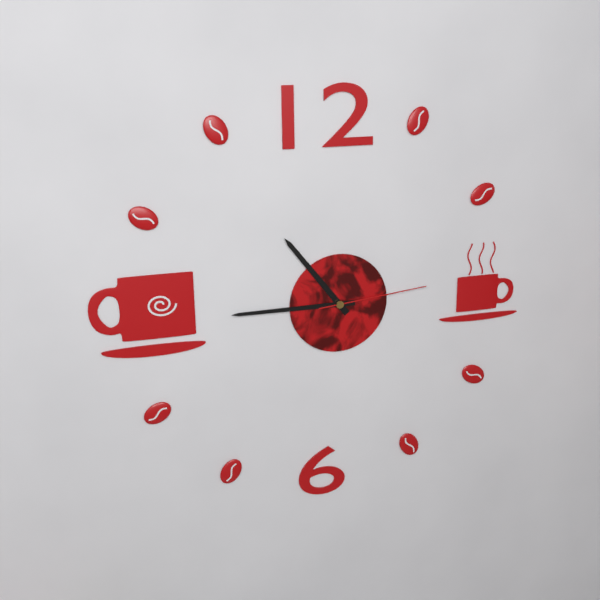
10:45:14
